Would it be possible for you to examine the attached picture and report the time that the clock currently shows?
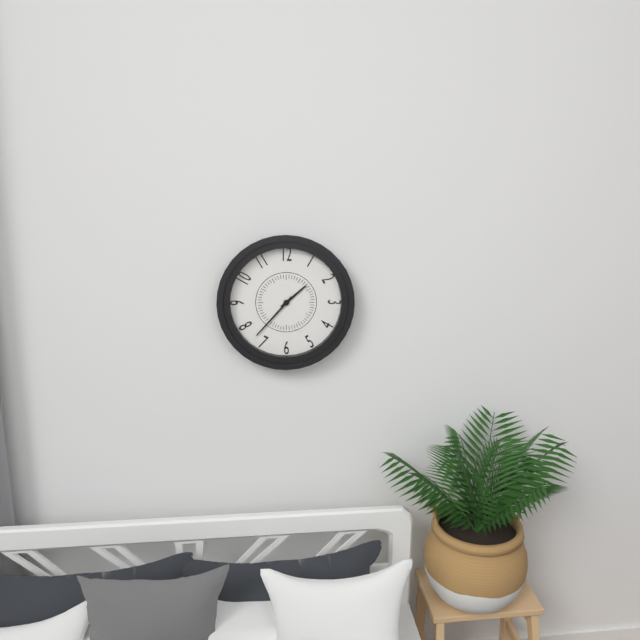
1:37
